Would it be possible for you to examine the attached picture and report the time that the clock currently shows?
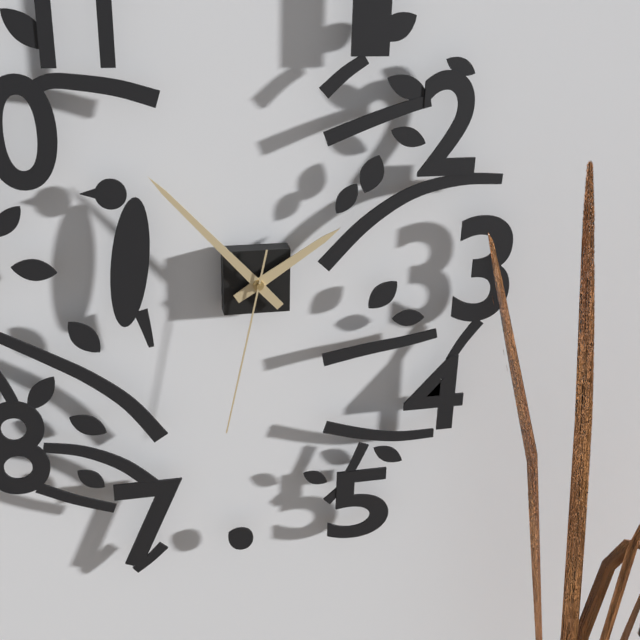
1:53:32
